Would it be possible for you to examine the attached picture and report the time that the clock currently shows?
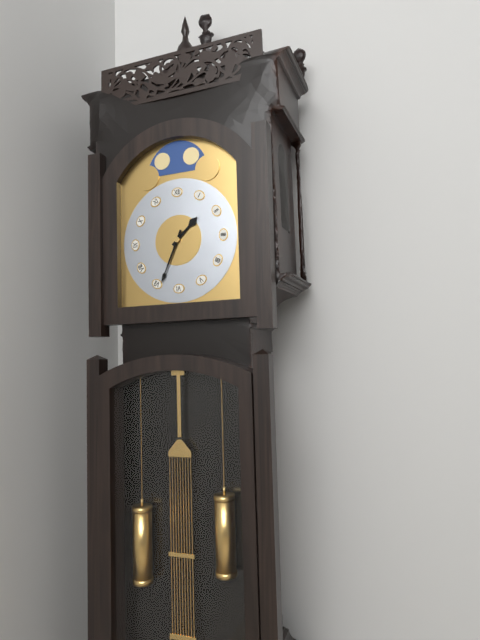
1:34
